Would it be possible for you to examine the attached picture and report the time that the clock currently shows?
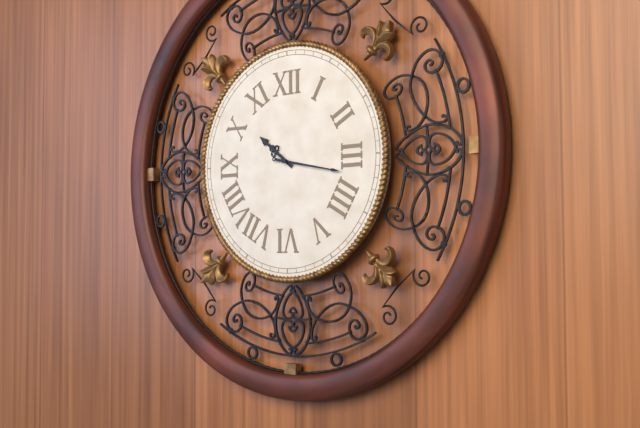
10:17
